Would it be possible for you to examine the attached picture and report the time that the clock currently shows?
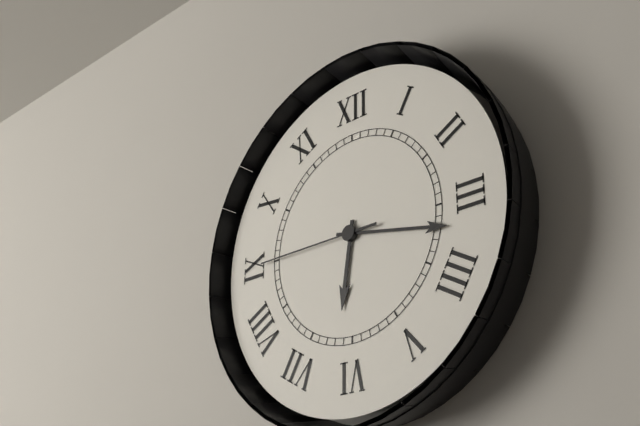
6:17:45
